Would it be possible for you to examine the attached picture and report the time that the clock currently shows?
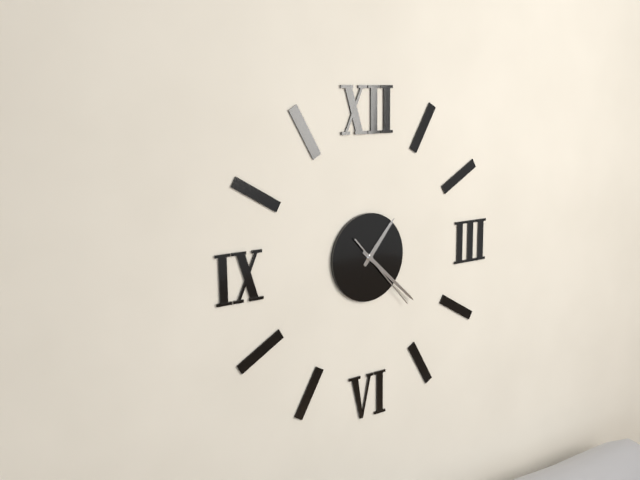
1:22:23
